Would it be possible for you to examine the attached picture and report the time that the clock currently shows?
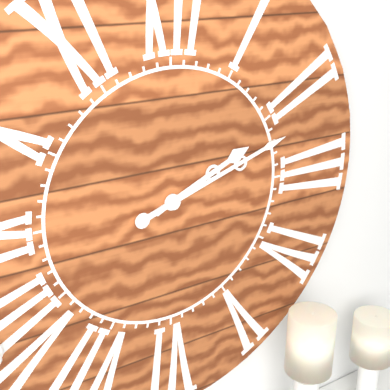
2:12
